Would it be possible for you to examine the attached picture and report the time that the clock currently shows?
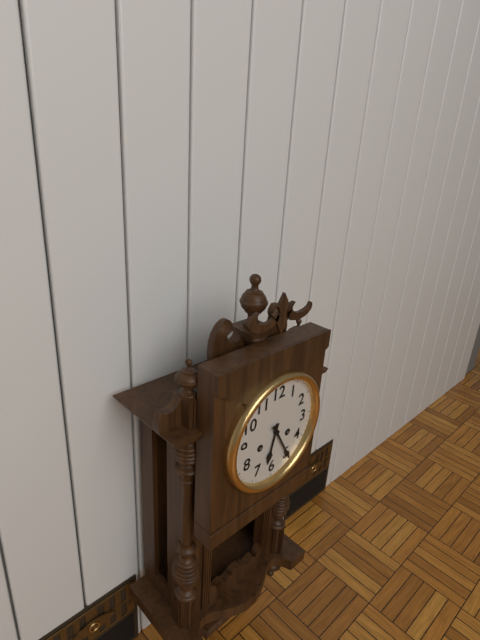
6:25
